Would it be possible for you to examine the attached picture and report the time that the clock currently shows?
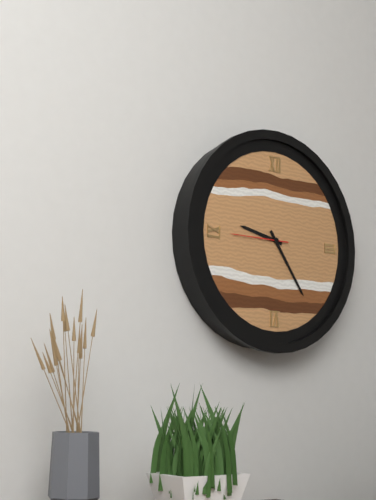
9:24:45
